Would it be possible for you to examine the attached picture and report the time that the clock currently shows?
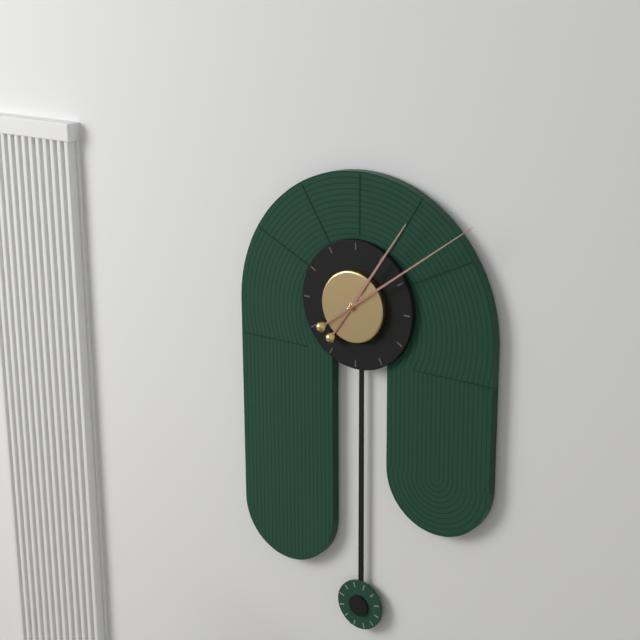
1:09
